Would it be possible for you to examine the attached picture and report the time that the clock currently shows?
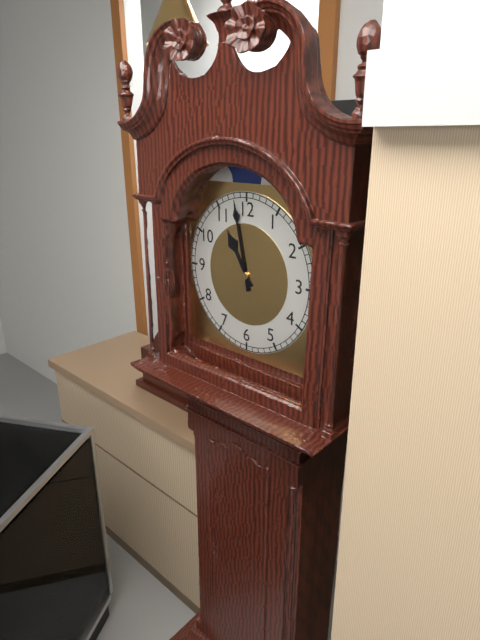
10:58
